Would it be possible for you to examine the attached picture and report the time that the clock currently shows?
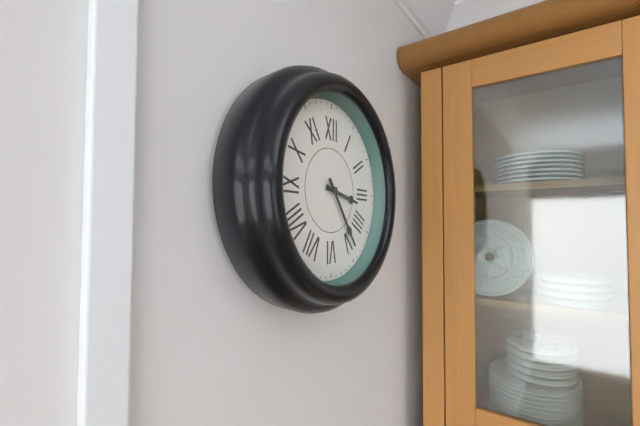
3:24
